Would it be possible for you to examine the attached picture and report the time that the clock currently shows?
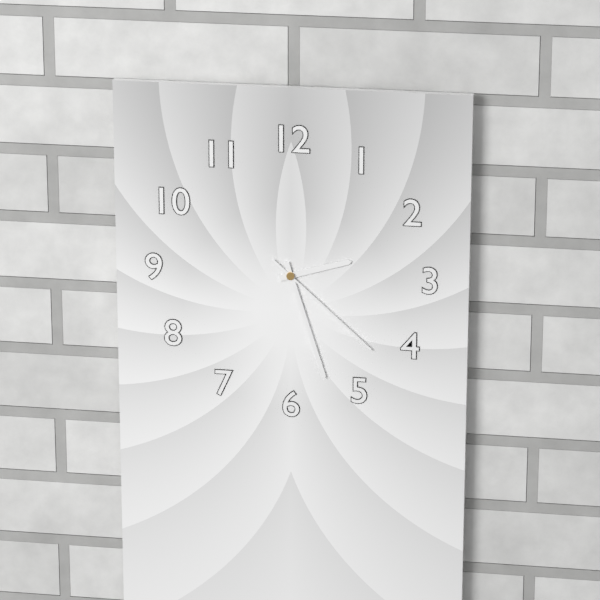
2:27:22
